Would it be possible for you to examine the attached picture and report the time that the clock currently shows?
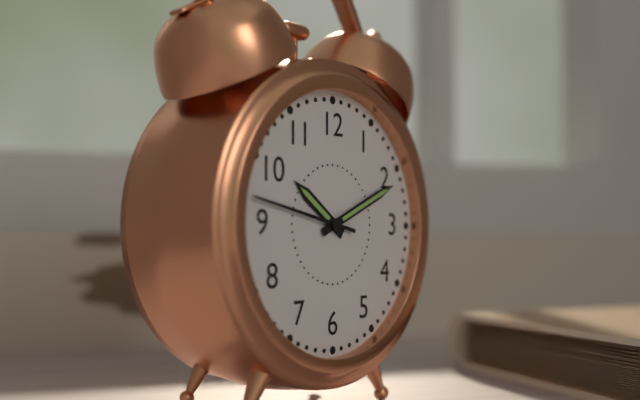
10:11:47
